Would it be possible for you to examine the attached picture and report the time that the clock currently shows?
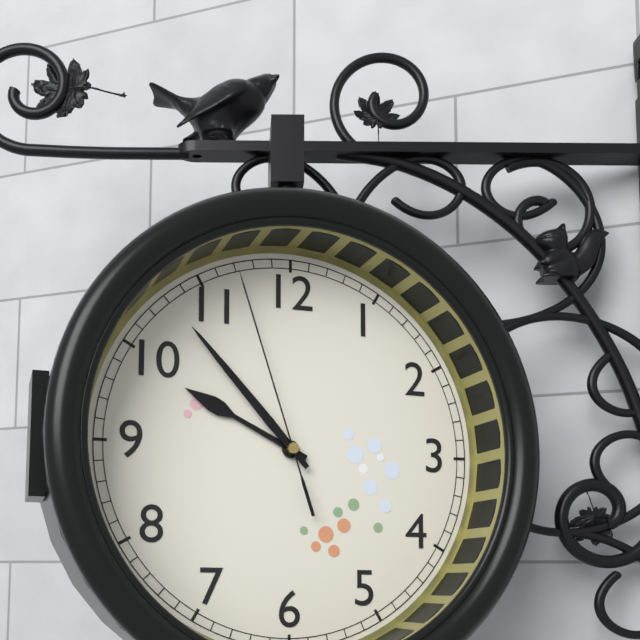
9:53:57
